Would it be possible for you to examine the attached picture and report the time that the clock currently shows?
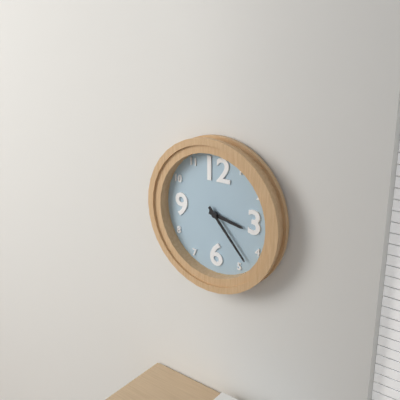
3:23
